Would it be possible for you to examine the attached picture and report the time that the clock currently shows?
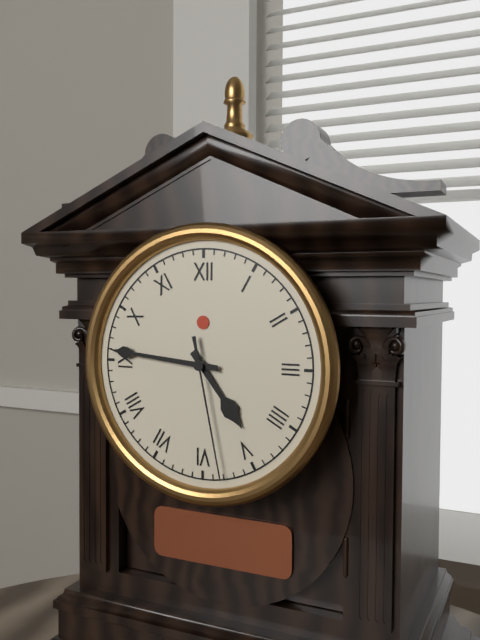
4:46:28
